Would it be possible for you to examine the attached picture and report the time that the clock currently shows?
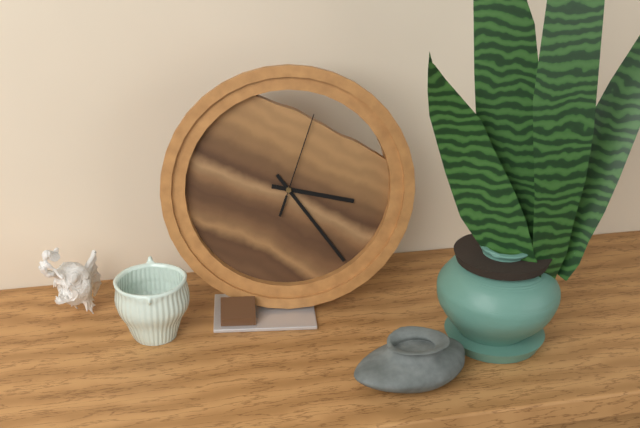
3:24:03
